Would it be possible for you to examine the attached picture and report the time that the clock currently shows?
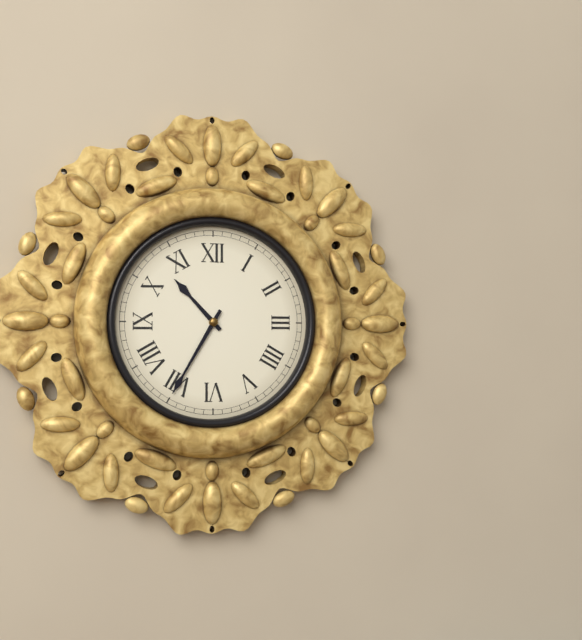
10:35
